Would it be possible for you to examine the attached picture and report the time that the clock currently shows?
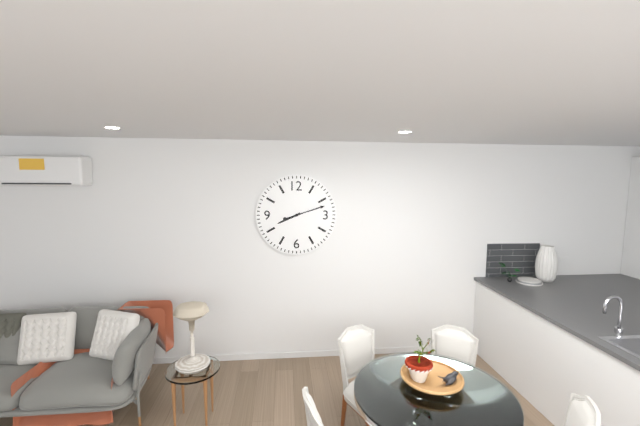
8:12
